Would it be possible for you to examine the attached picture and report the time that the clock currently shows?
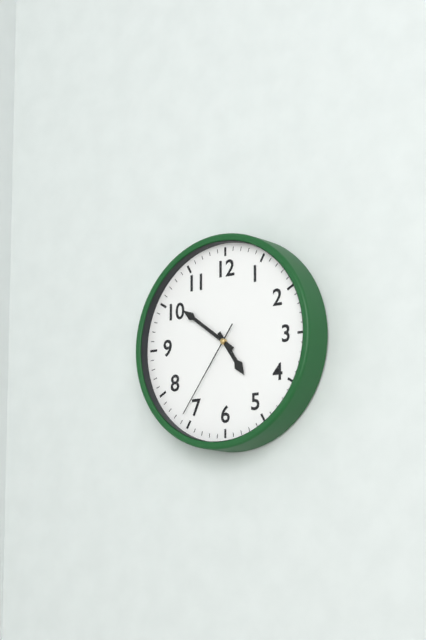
4:51:36
